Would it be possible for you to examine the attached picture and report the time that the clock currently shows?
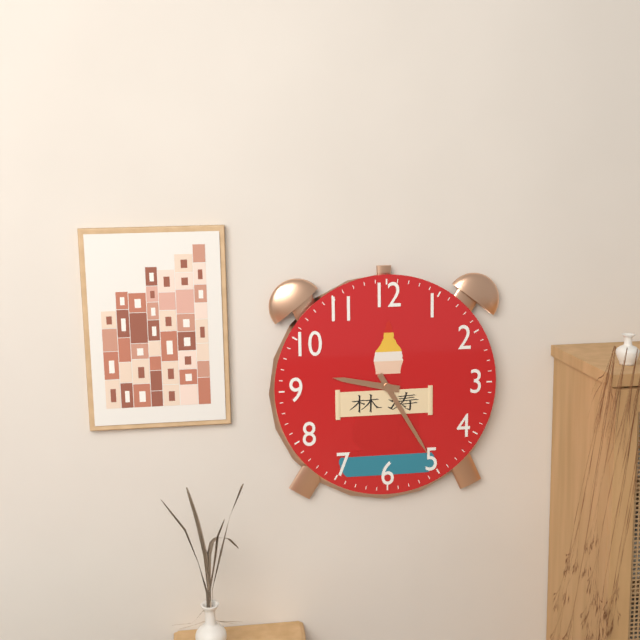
9:25
